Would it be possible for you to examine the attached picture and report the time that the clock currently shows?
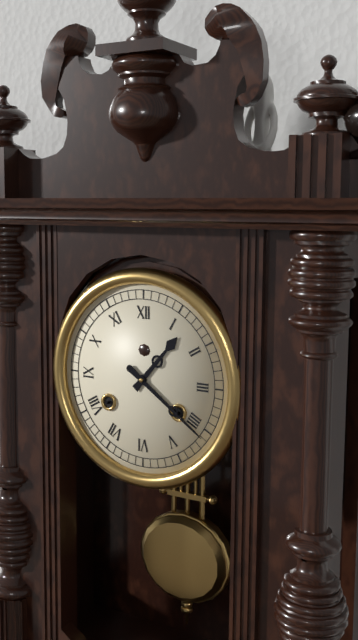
1:21
